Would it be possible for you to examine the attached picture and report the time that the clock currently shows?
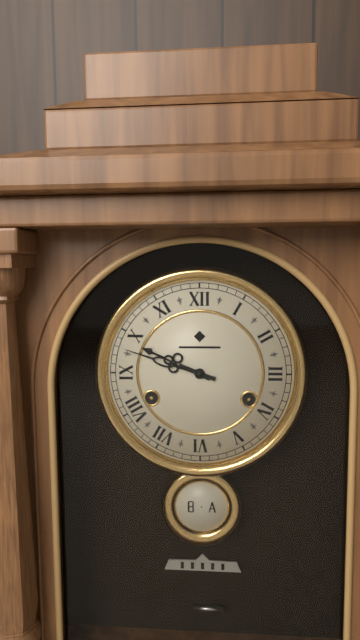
9:48
